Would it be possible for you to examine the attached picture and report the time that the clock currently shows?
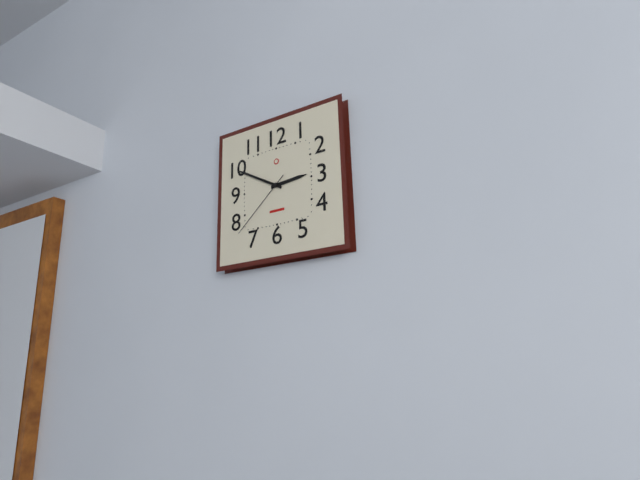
2:50:38
